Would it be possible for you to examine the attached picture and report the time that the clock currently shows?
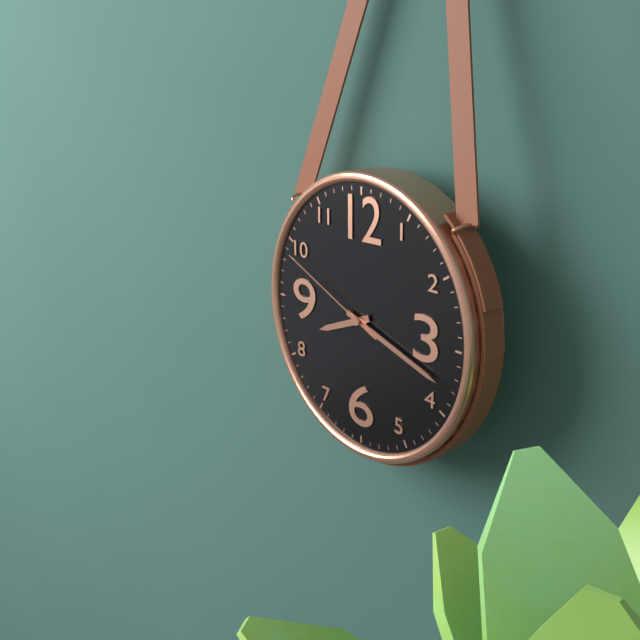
8:18:49
